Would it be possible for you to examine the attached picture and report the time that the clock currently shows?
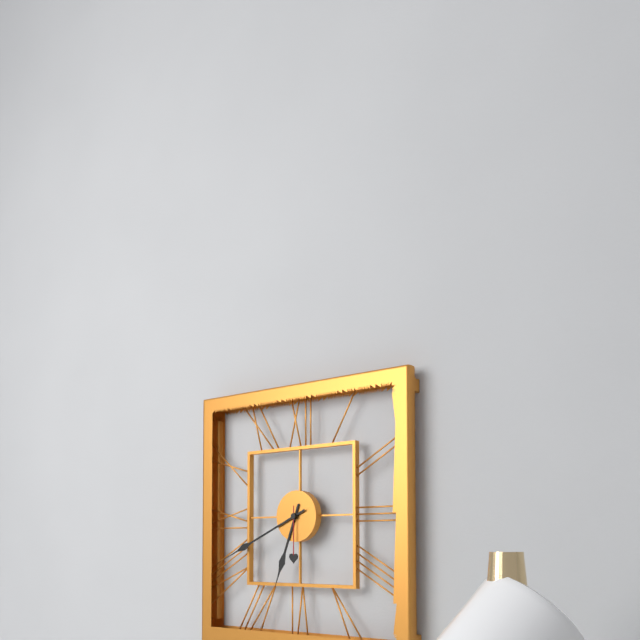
6:41:30
